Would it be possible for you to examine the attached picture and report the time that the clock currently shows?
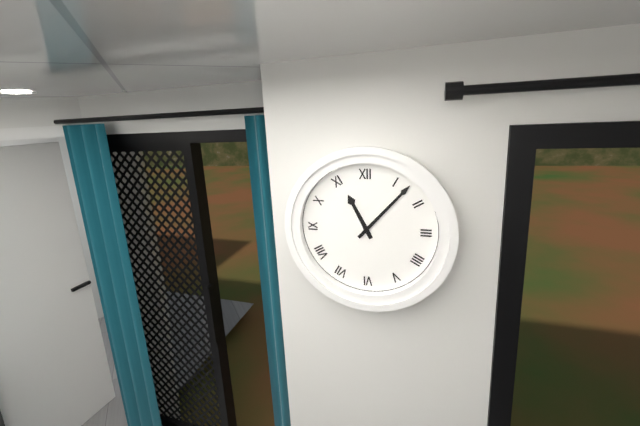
11:07
